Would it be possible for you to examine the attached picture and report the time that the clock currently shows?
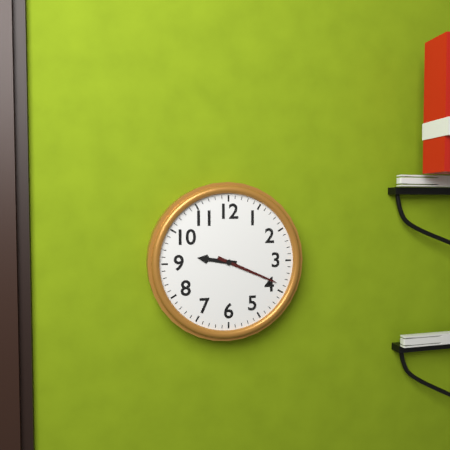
9:19
